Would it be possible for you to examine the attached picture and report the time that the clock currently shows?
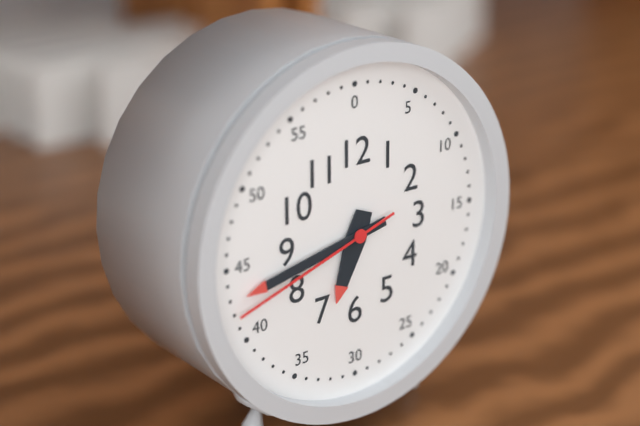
6:43:42
